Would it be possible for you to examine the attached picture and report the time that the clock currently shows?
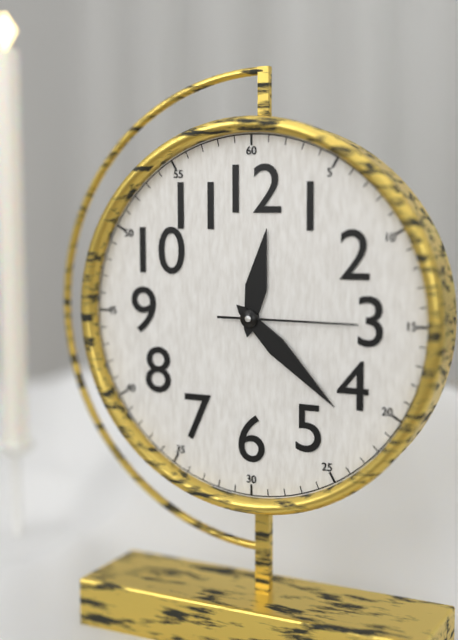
12:22:15
